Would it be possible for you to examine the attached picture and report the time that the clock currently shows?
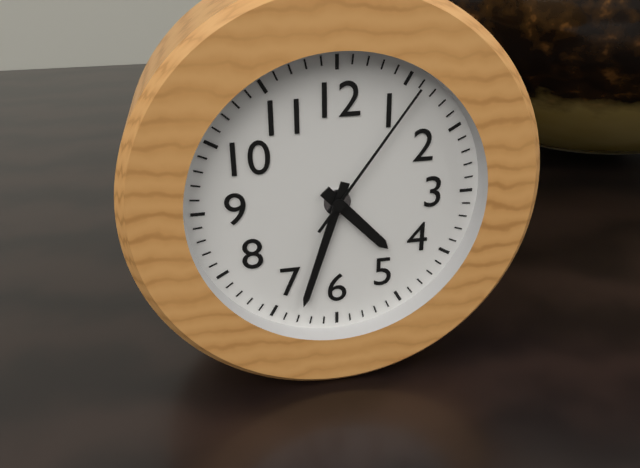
4:33:06
